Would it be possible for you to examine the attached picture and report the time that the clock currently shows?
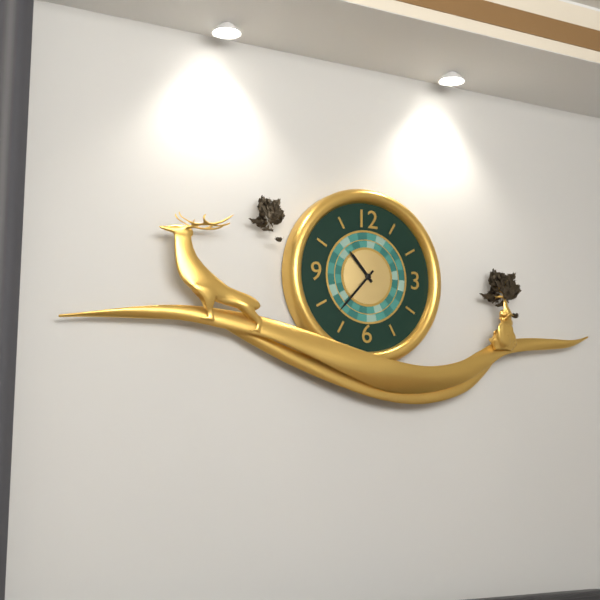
10:37
